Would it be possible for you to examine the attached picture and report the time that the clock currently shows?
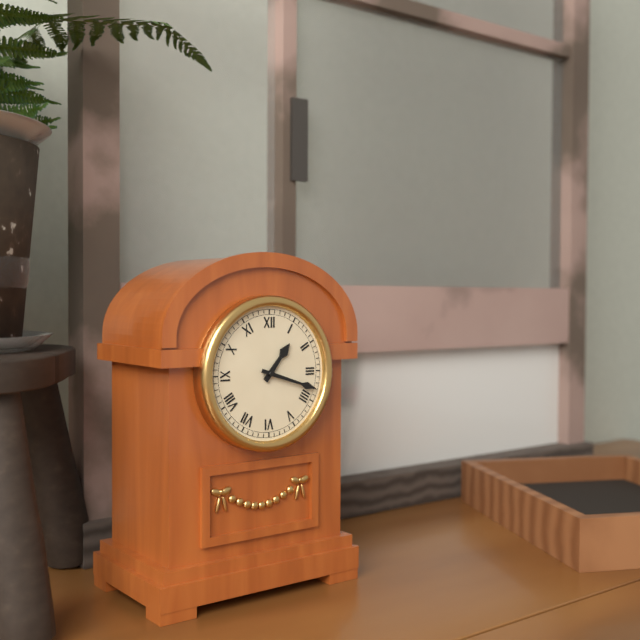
1:18
